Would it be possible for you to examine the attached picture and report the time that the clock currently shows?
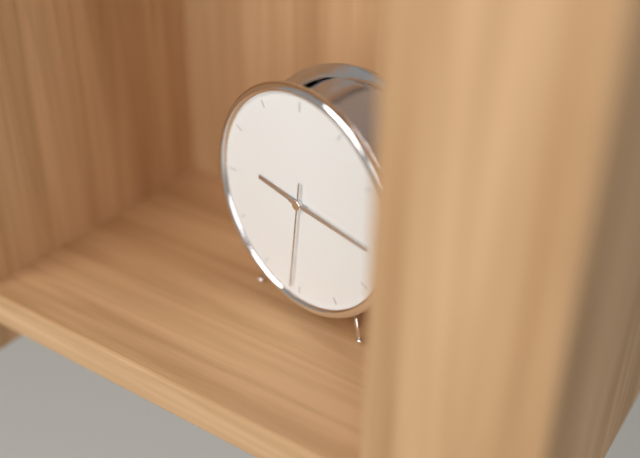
9:16:31
